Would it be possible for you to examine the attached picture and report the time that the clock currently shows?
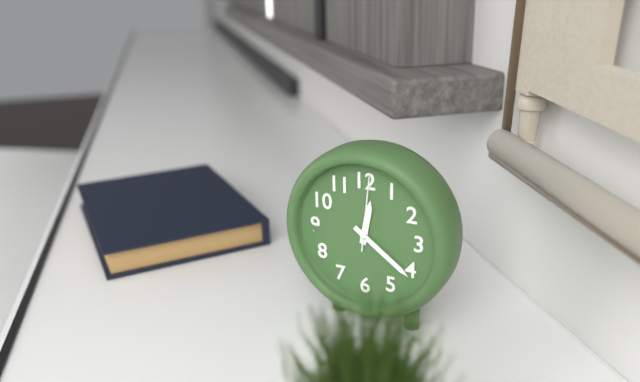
12:21:01
